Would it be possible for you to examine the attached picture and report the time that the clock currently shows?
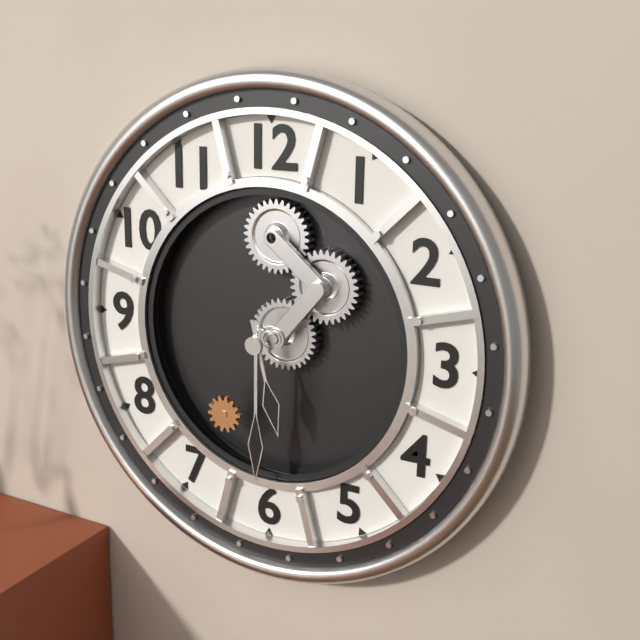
5:30
